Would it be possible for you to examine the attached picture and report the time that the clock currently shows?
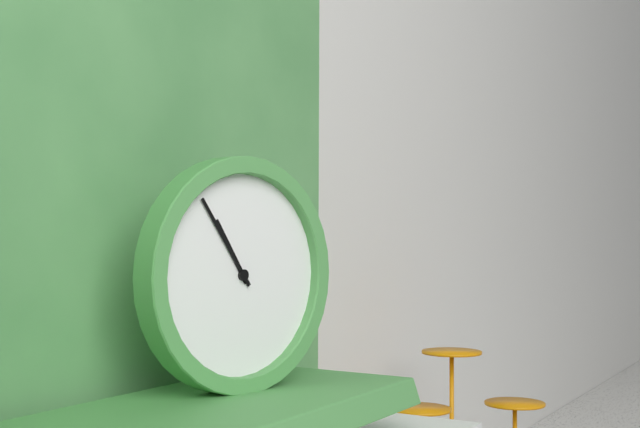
10:54
